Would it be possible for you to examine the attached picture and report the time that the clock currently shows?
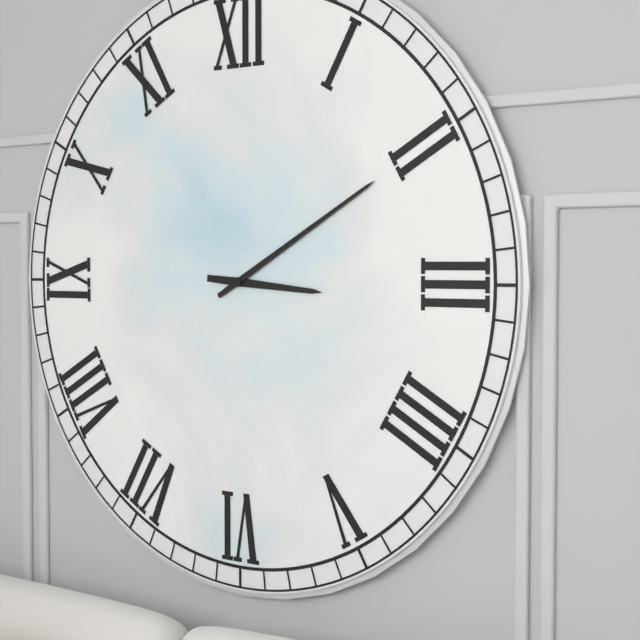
3:10
